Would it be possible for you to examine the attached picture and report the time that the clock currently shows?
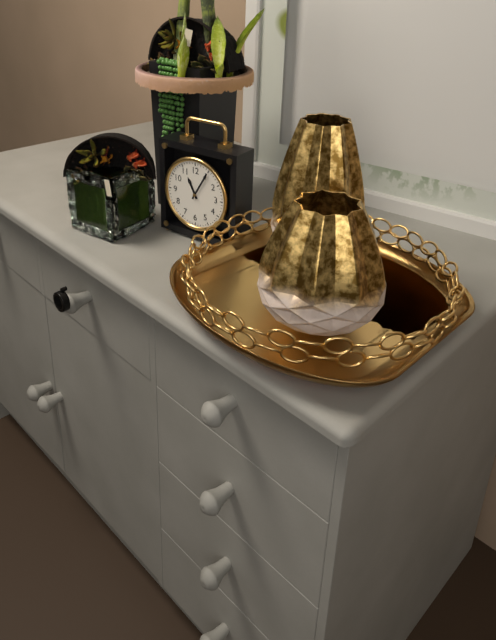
11:05
